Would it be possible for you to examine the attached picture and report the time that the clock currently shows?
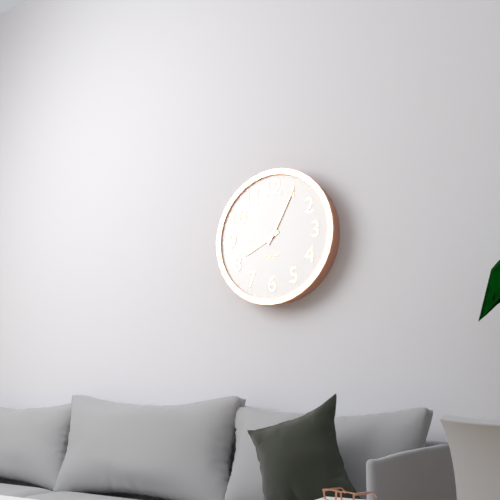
8:05
